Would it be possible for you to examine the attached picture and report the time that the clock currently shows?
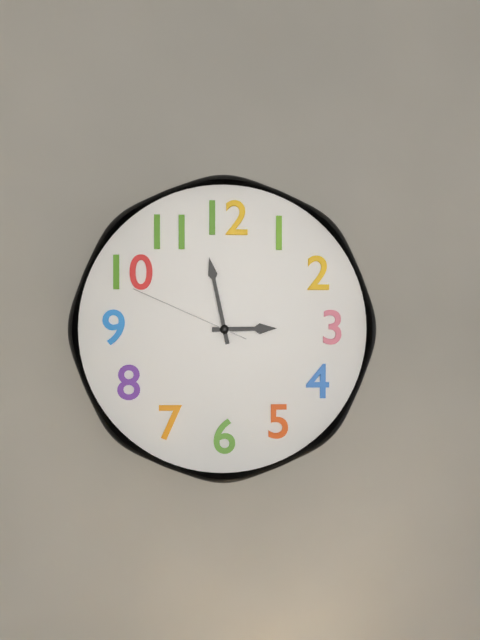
2:58:49
